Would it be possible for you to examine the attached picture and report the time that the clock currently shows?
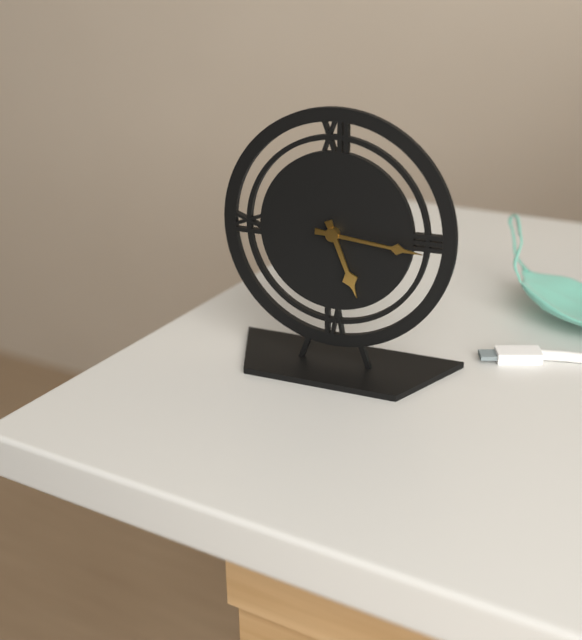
5:16
